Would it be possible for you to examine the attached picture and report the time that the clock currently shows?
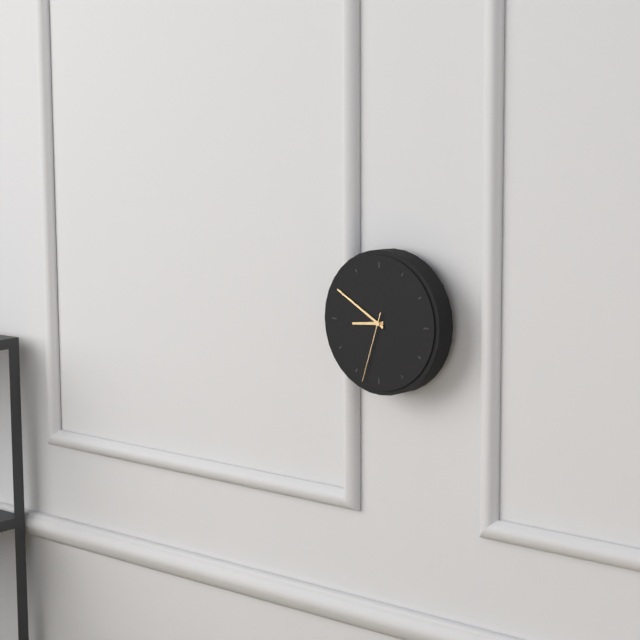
8:50:33
